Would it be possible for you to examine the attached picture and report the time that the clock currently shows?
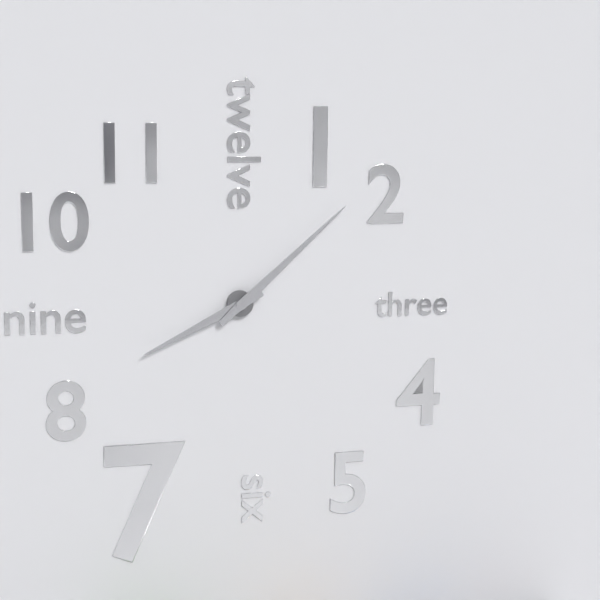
8:08
